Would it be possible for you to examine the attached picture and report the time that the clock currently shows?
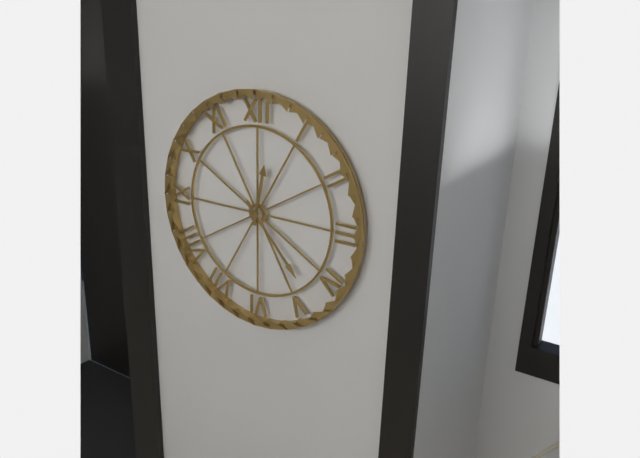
12:23
